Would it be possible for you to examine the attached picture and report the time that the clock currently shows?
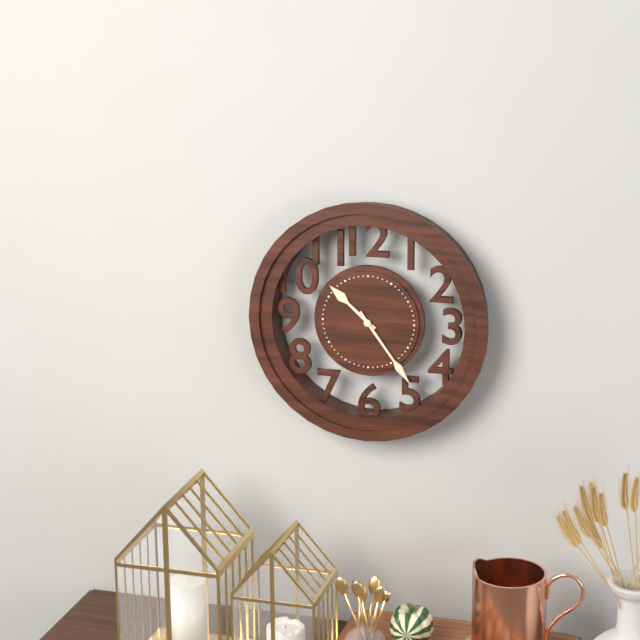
10:24
